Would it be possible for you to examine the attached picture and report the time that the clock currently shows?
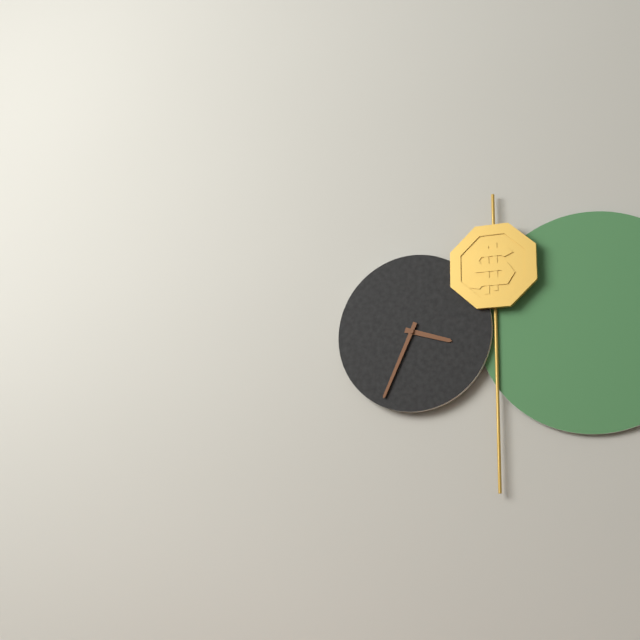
3:34
